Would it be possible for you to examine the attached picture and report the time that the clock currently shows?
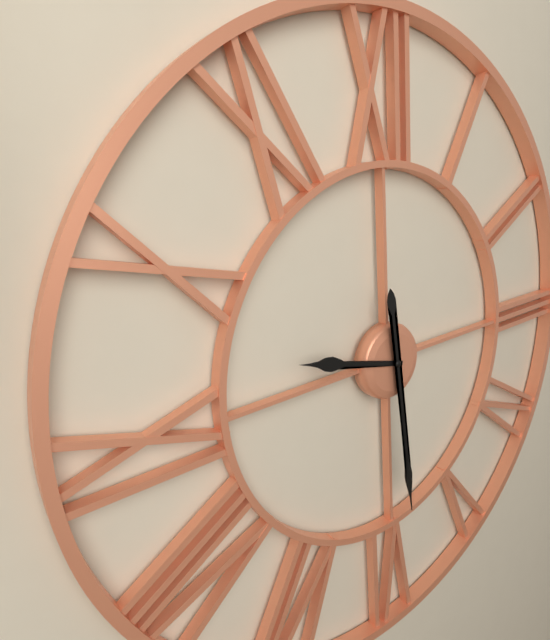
9:29
